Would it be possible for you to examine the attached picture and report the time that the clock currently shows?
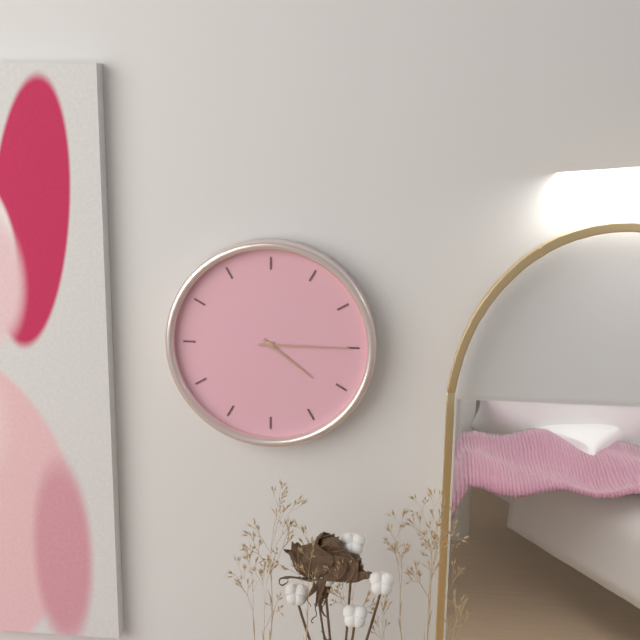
4:15
